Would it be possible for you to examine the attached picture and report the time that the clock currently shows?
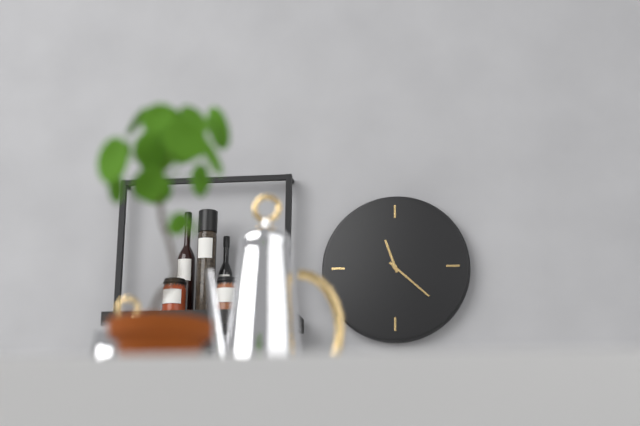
11:22
